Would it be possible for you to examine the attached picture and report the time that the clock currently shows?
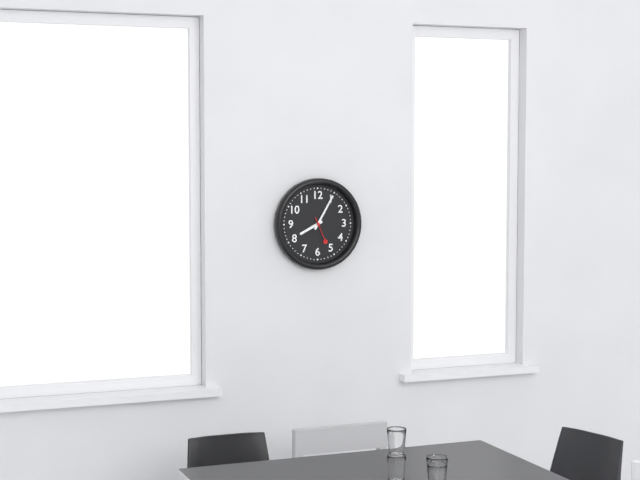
8:05
